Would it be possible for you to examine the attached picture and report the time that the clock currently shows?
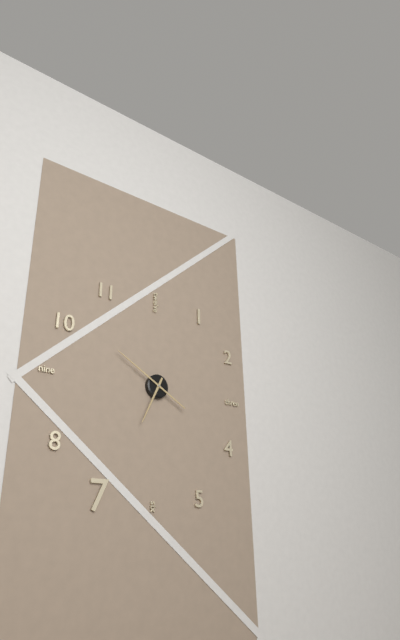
6:50
